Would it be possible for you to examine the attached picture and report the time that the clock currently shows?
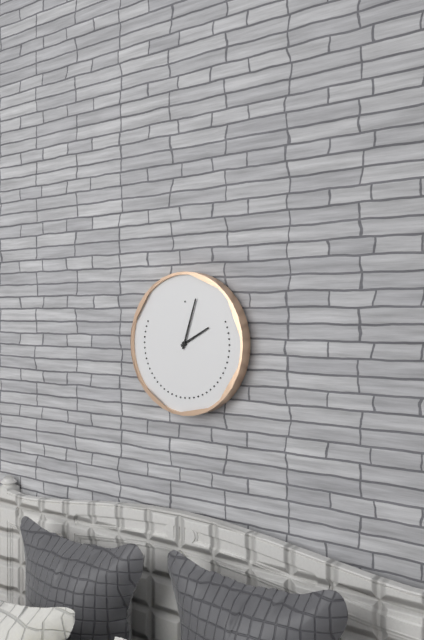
2:03
